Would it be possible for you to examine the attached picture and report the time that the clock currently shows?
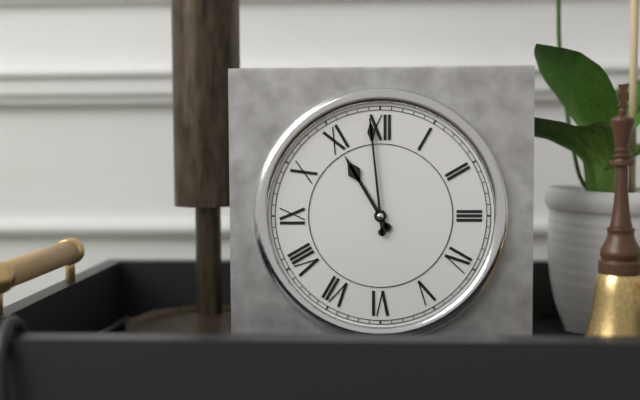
10:59
